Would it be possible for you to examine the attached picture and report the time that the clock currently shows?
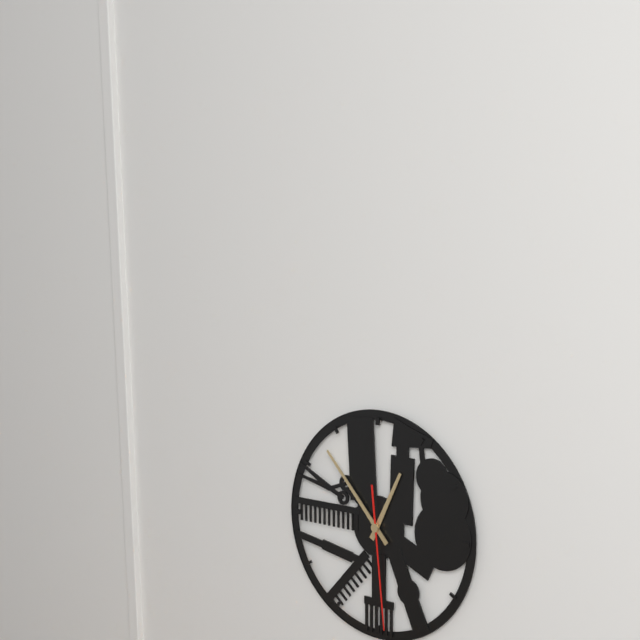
12:53:29
